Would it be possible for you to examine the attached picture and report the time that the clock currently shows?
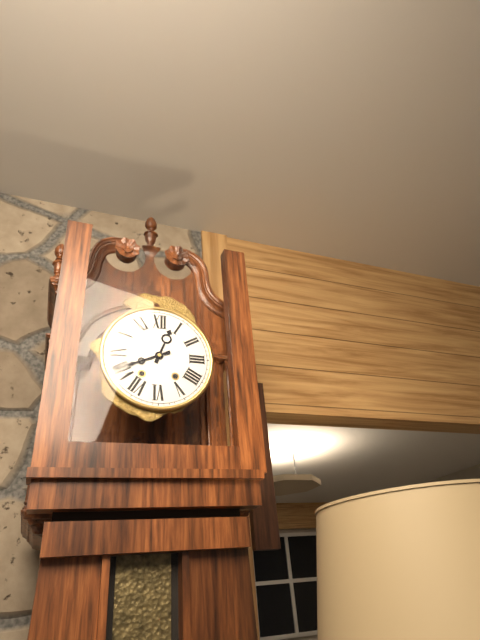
12:41
